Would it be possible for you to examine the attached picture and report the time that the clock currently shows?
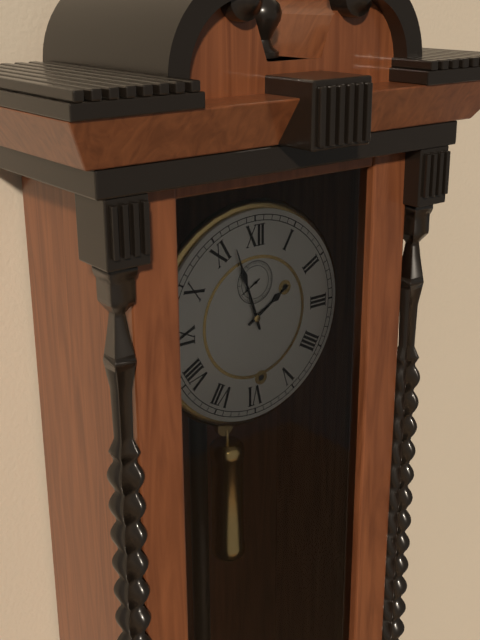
1:57
